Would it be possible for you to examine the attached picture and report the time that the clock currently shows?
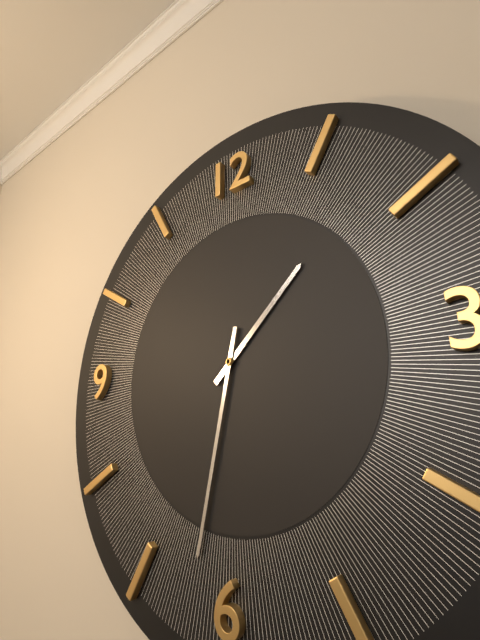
1:32
